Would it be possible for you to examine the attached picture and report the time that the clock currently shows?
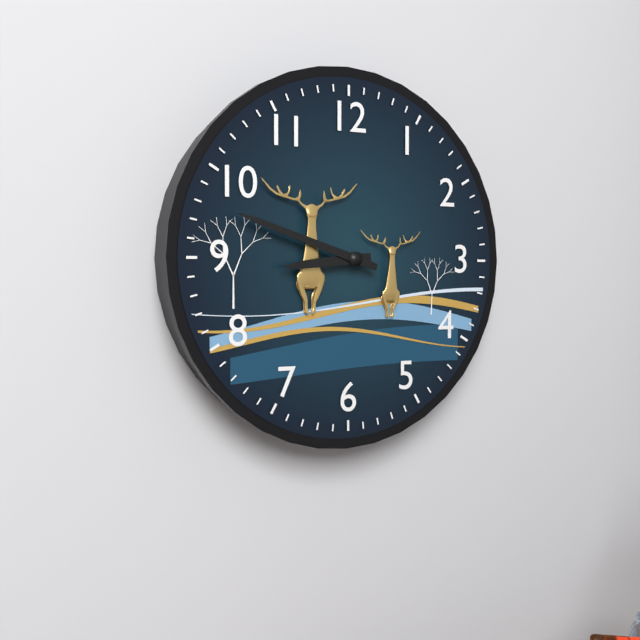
8:48
